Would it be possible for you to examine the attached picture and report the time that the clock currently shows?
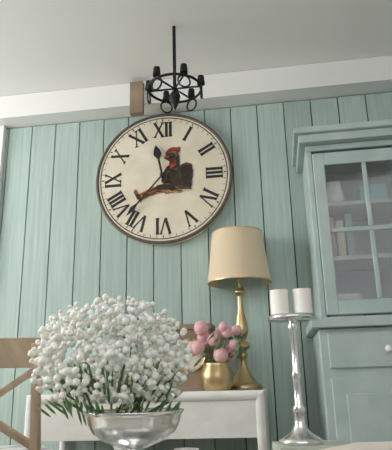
11:37
